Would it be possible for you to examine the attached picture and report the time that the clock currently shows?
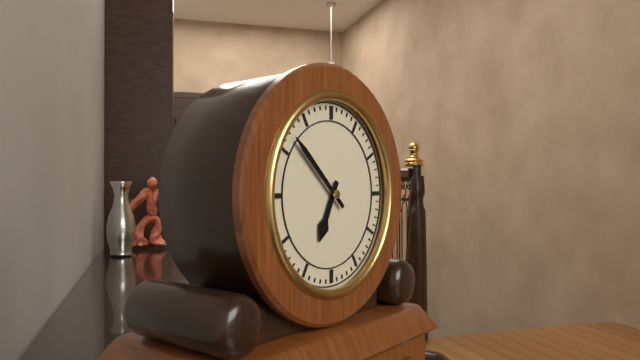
6:52
